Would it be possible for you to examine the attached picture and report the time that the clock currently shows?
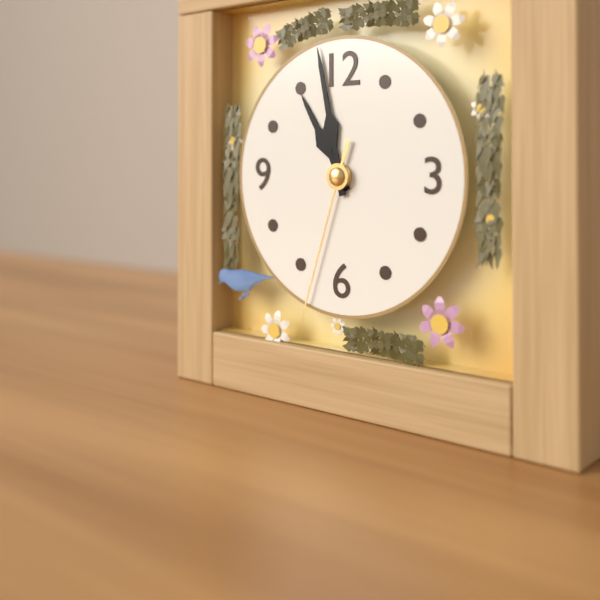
10:58:33
